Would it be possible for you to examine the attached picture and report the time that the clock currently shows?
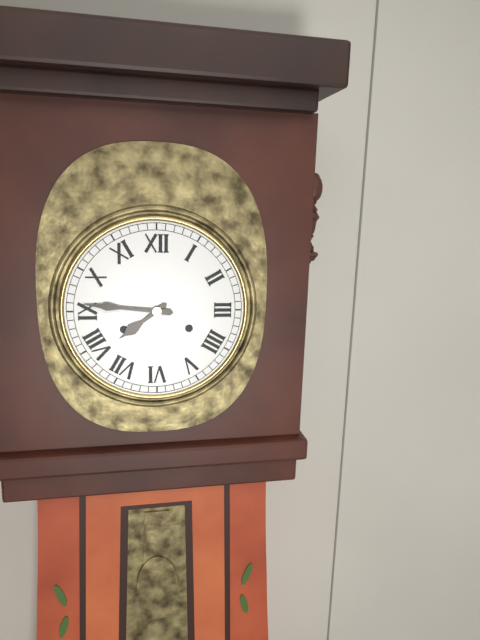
7:46
